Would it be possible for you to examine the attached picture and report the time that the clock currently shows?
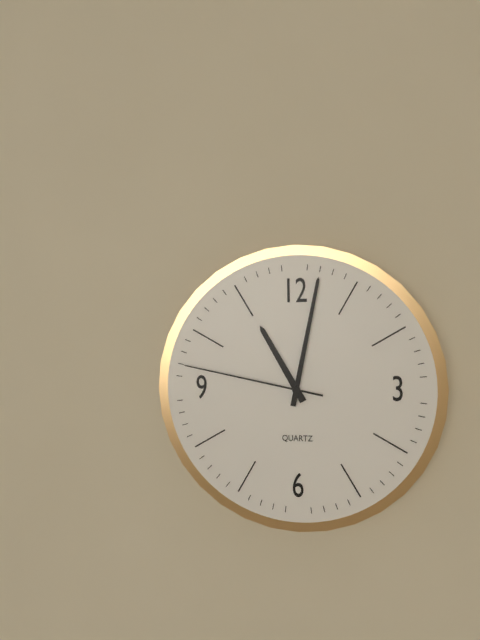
11:02:47
